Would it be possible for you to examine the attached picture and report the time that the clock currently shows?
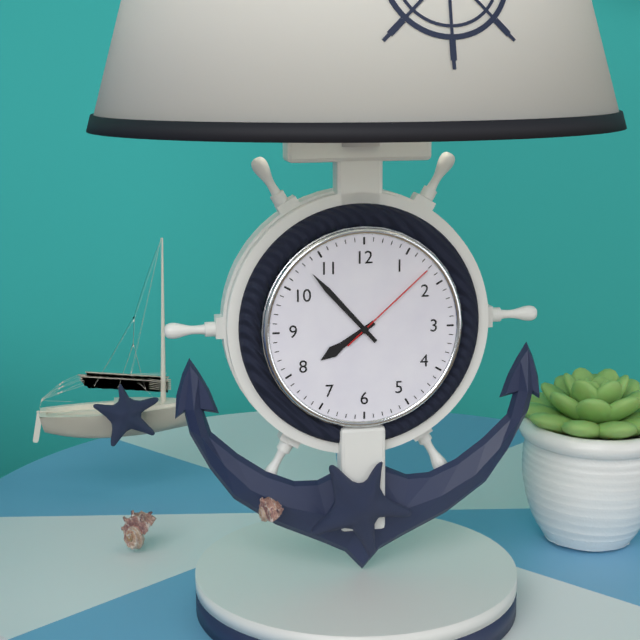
7:53:08
